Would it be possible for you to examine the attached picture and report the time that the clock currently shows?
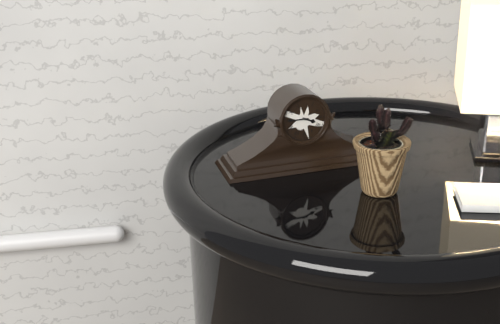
3:45
